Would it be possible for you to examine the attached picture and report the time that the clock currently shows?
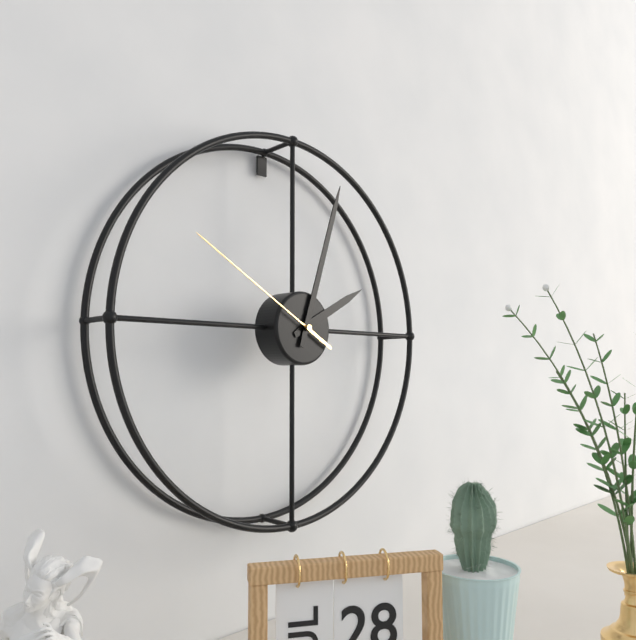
2:03:50
